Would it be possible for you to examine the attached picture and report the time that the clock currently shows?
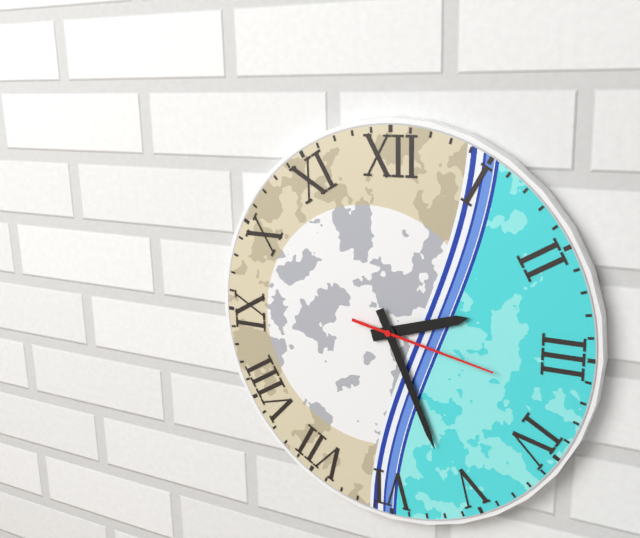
2:26:17
